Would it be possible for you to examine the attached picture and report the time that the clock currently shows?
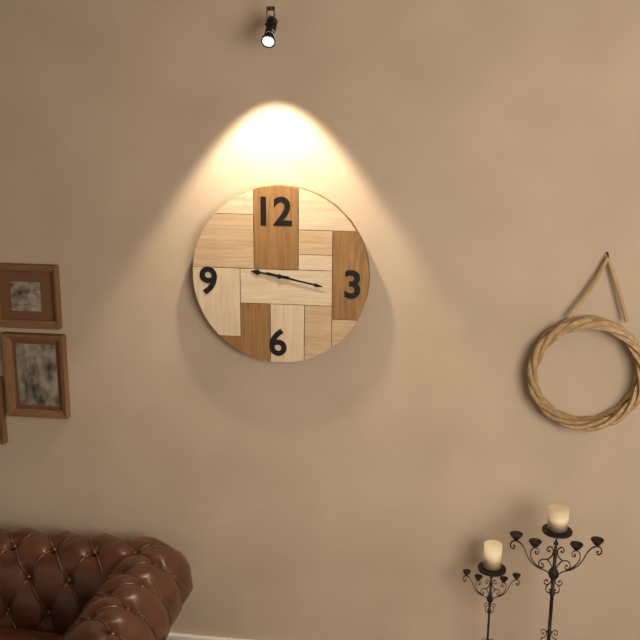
9:17
